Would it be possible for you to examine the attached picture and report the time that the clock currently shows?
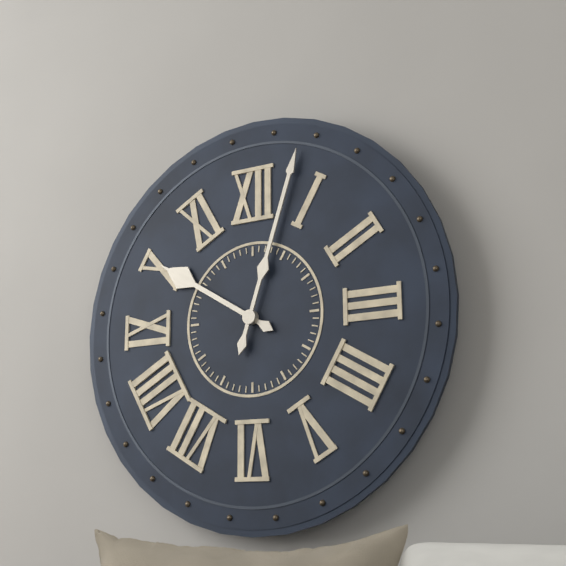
10:03
